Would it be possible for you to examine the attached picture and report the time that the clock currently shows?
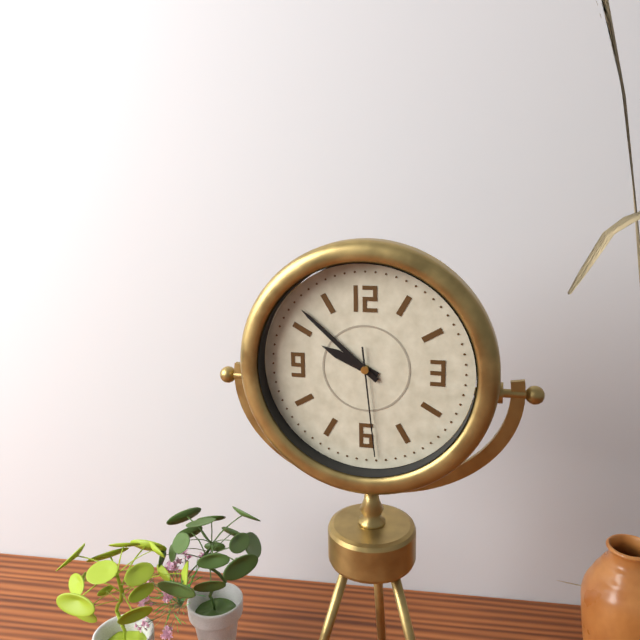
9:52:29
